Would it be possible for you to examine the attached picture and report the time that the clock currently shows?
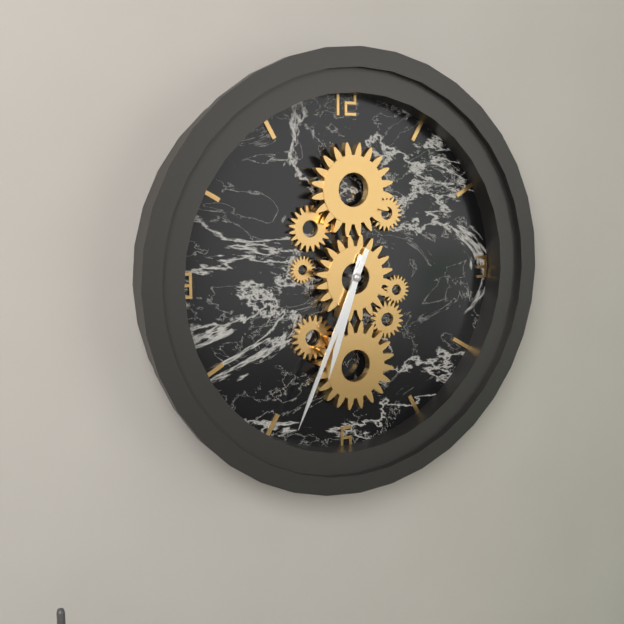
6:34
